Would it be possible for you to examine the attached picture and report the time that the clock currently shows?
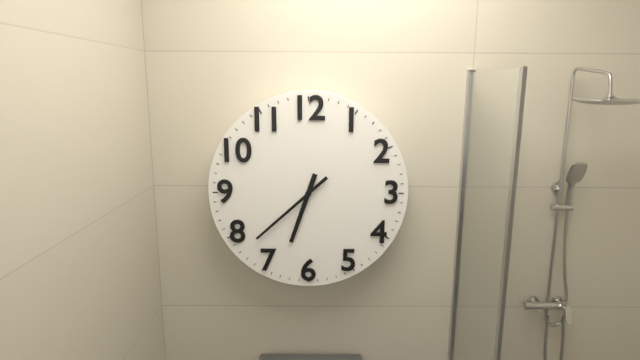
6:38
